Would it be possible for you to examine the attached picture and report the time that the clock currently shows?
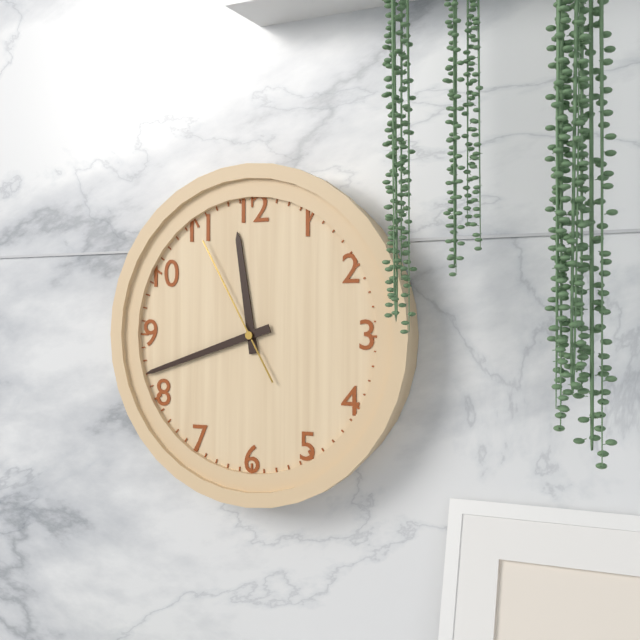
11:42:55
